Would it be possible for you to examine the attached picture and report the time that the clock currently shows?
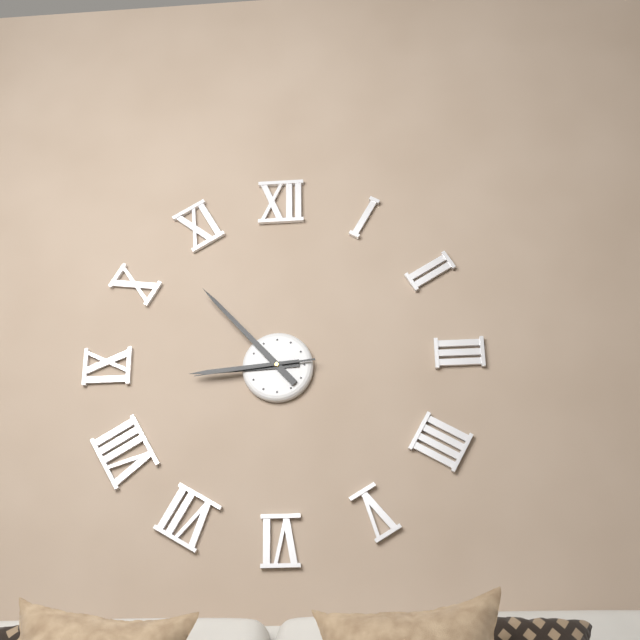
8:53:44
